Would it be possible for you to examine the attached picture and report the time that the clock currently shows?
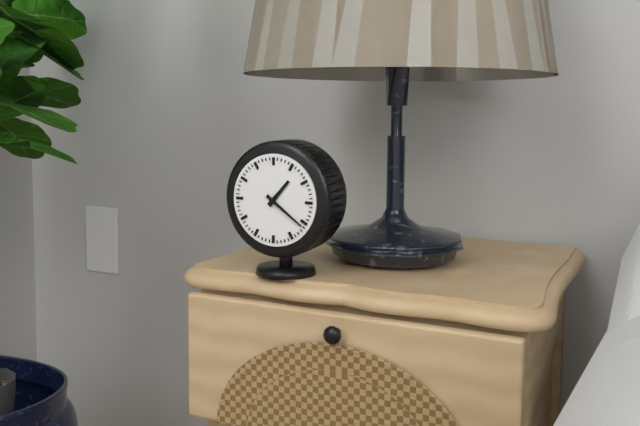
1:21
